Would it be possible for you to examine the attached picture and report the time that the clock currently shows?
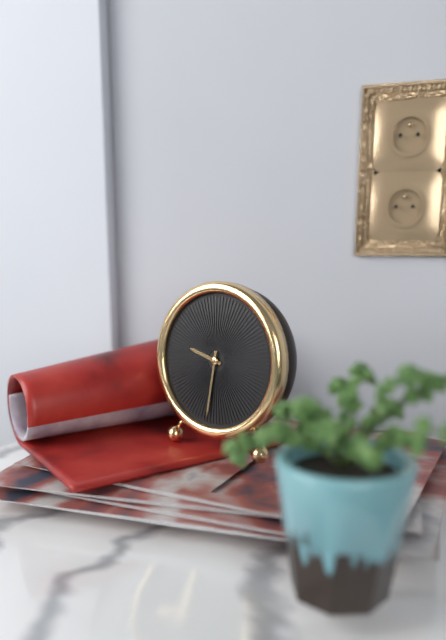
9:31
